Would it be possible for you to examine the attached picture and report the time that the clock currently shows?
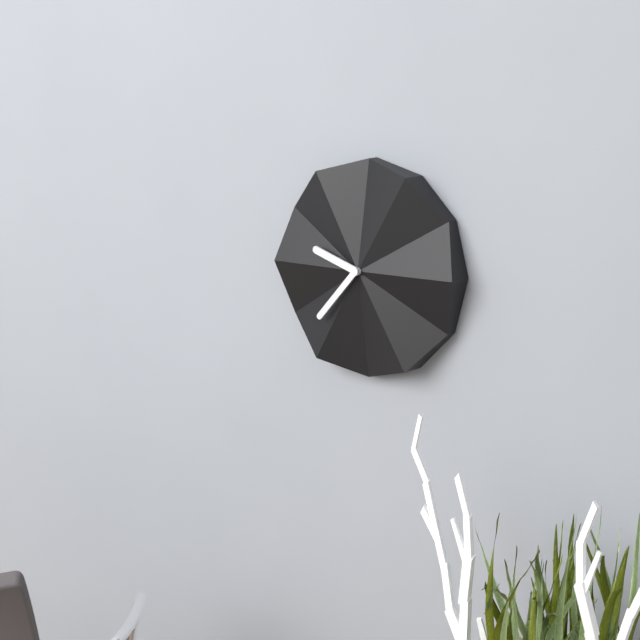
9:37
